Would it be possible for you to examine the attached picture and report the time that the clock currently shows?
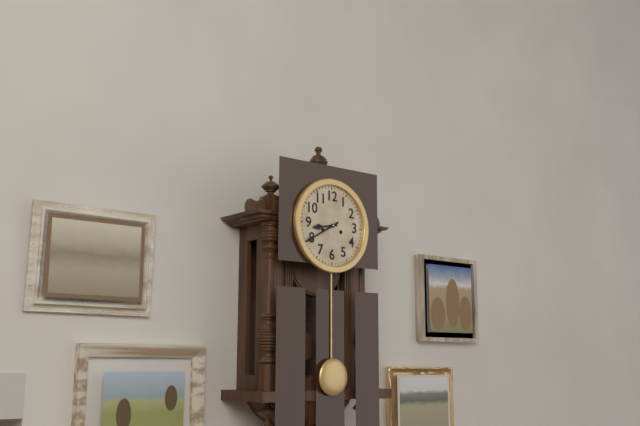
8:40
